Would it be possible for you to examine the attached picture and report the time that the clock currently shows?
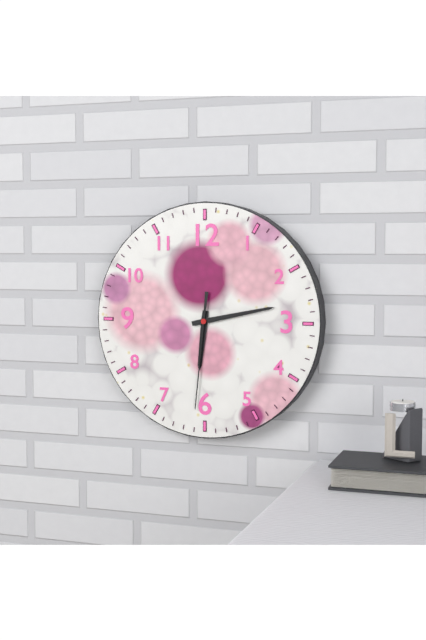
6:13:31
